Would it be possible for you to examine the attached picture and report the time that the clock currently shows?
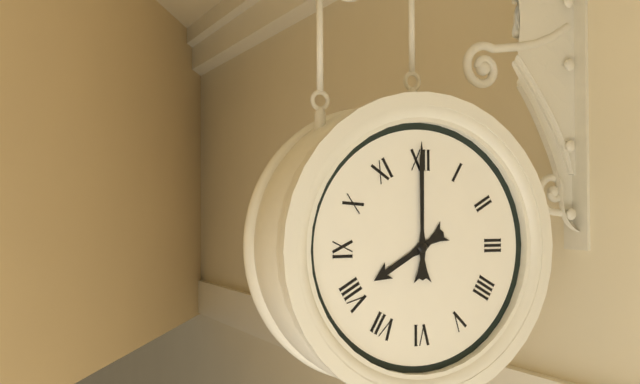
8:00
